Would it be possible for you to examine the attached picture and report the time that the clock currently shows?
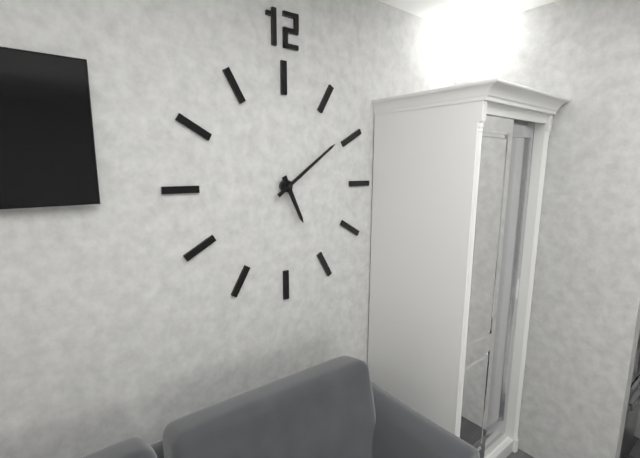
5:09
